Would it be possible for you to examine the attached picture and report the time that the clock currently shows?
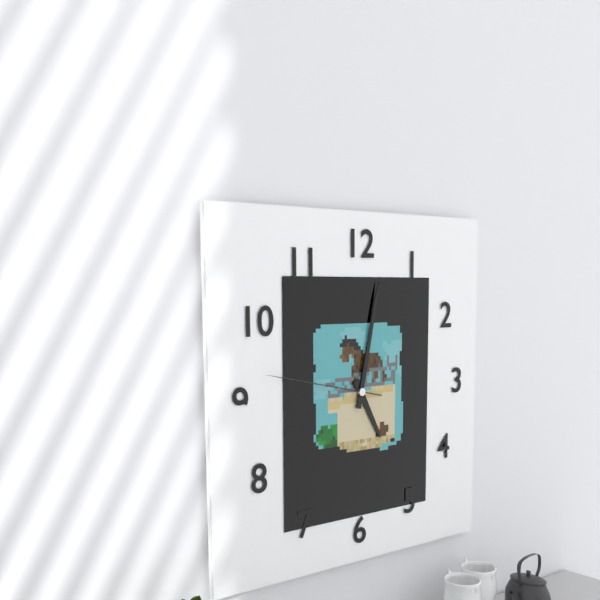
5:02:47
